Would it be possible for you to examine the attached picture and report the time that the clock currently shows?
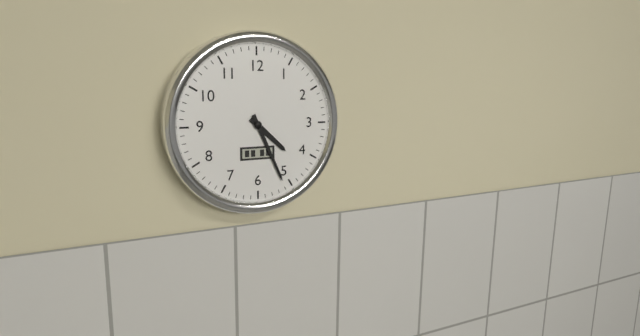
4:26
